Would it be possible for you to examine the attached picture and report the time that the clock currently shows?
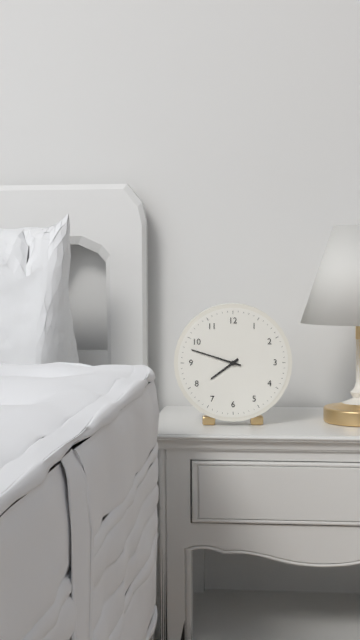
7:48
